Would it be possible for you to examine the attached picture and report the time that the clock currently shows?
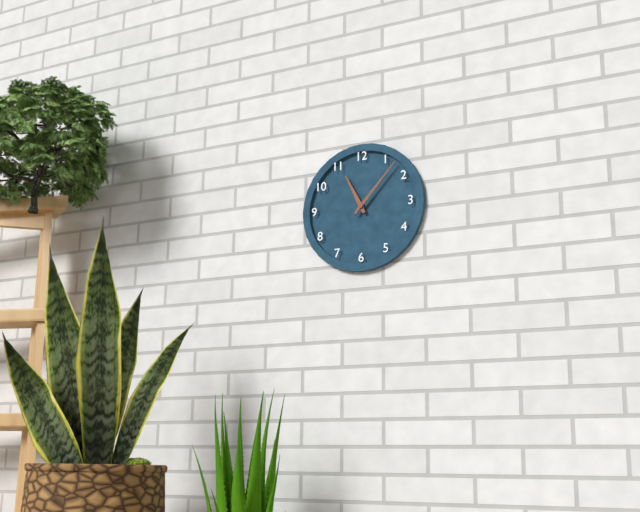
11:07
